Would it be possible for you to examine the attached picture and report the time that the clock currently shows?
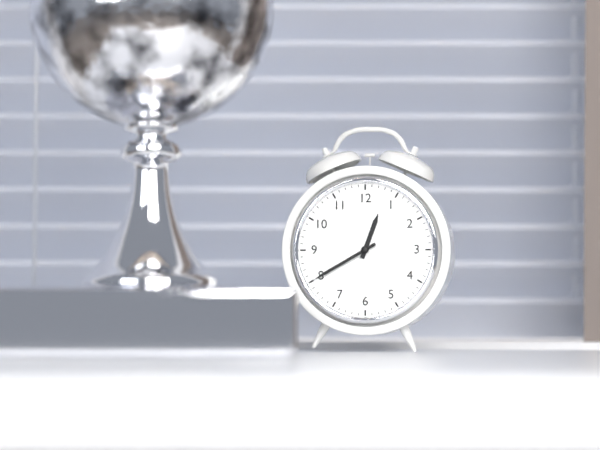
12:40
